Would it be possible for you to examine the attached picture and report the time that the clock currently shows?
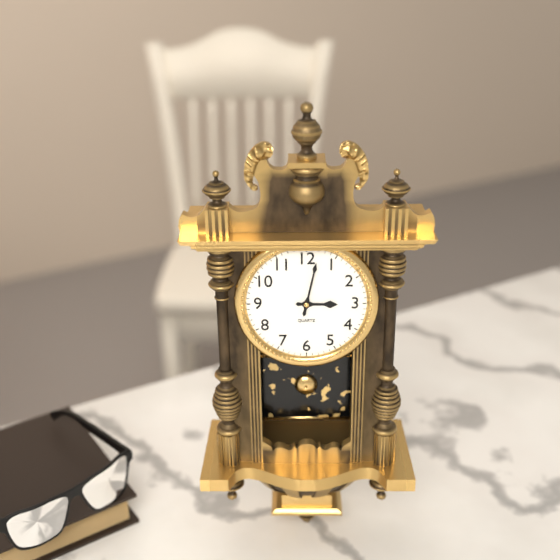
3:02
